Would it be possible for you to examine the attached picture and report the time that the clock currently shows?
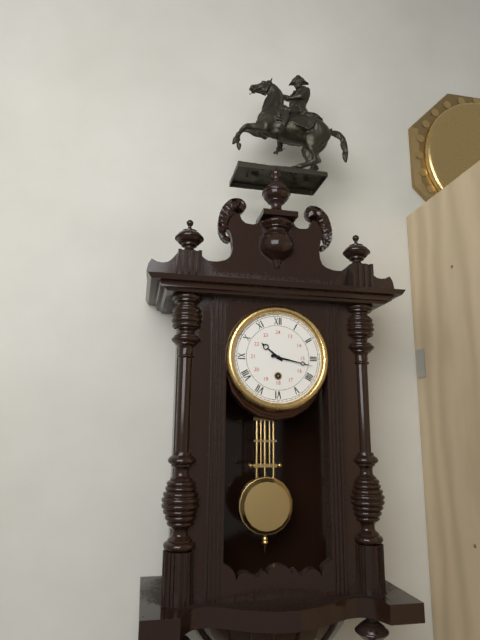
10:17
